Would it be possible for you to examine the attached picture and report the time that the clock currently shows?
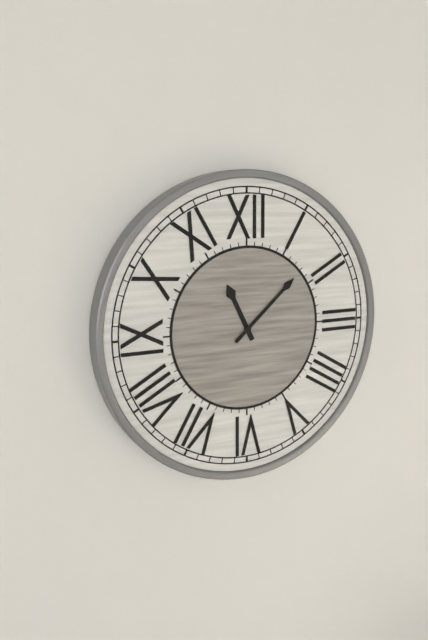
11:08
